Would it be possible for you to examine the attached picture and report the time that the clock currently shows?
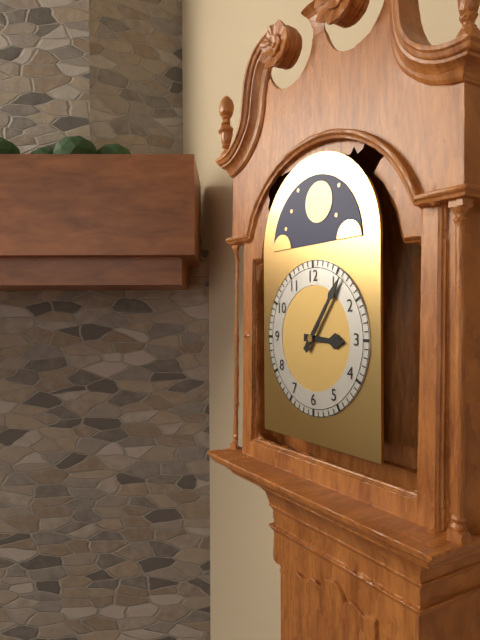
3:06
